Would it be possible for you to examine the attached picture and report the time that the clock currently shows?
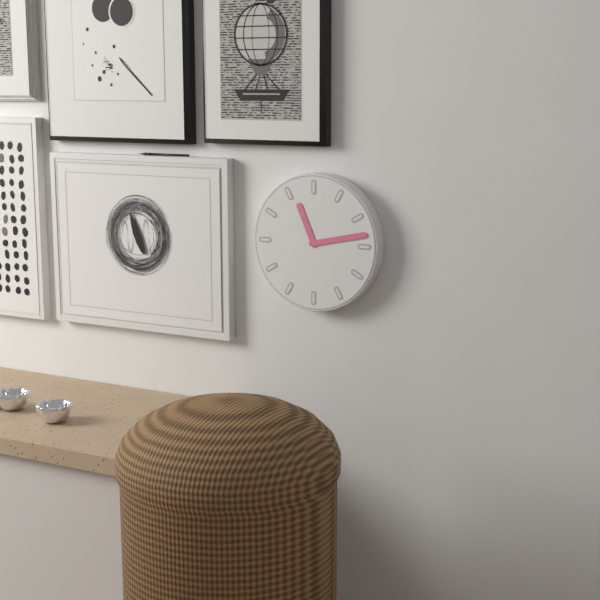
11:13
